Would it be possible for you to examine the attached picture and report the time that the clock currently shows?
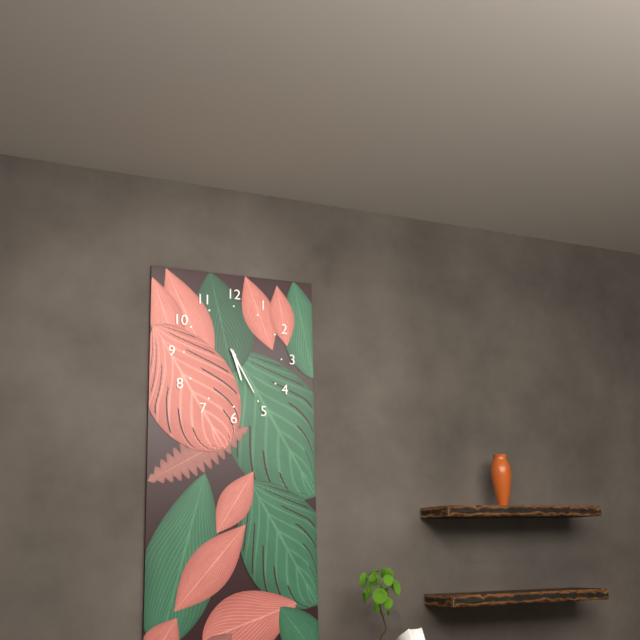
5:25
